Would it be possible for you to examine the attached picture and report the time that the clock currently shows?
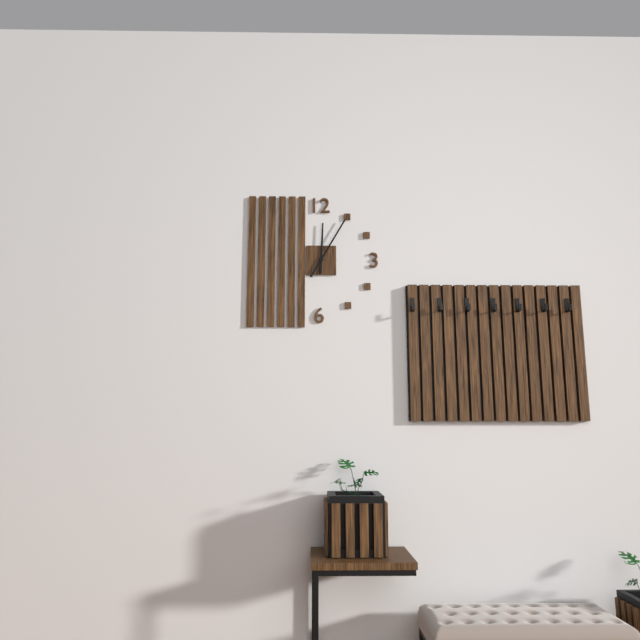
12:05
